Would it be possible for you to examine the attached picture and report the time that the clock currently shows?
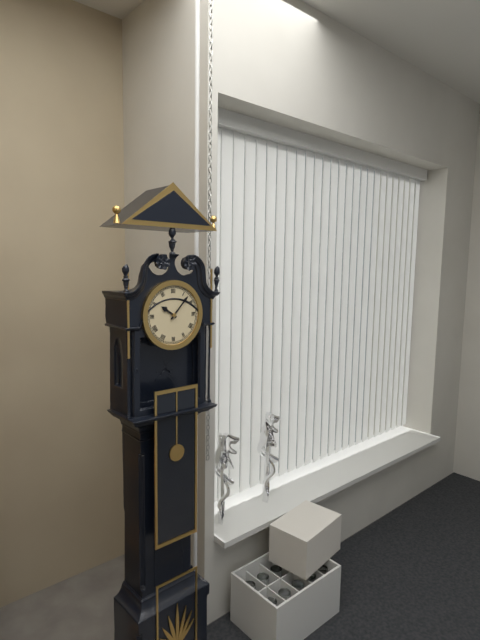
10:07
